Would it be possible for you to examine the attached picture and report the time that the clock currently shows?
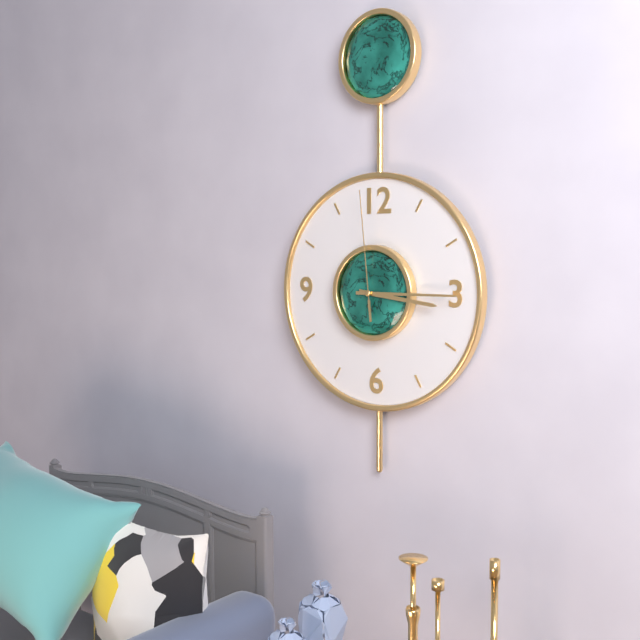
3:15:59
